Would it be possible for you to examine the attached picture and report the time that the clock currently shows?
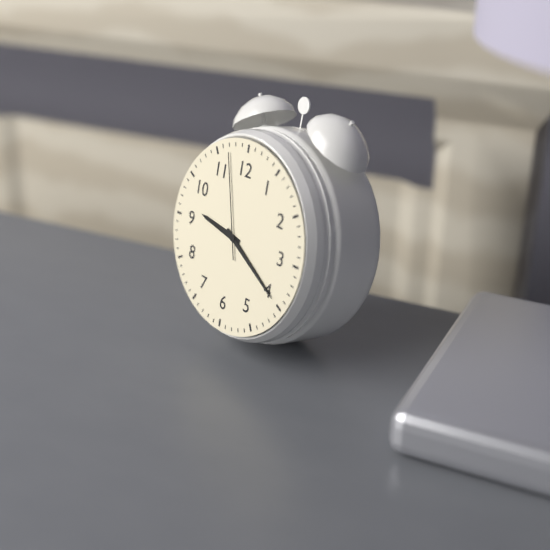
9:20:57
